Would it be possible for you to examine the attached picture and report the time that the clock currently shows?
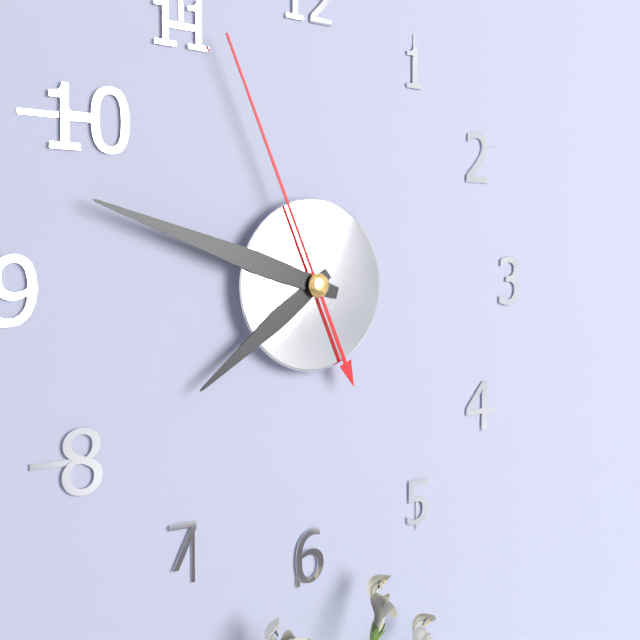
7:48:56
